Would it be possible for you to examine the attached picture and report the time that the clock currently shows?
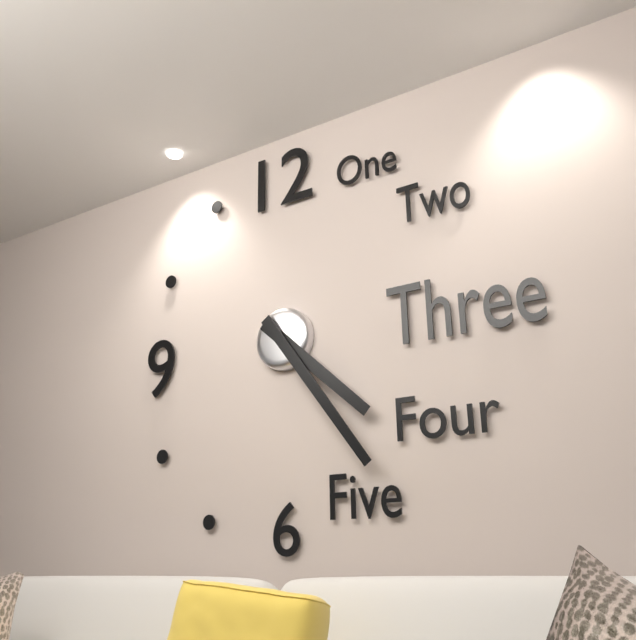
4:24
